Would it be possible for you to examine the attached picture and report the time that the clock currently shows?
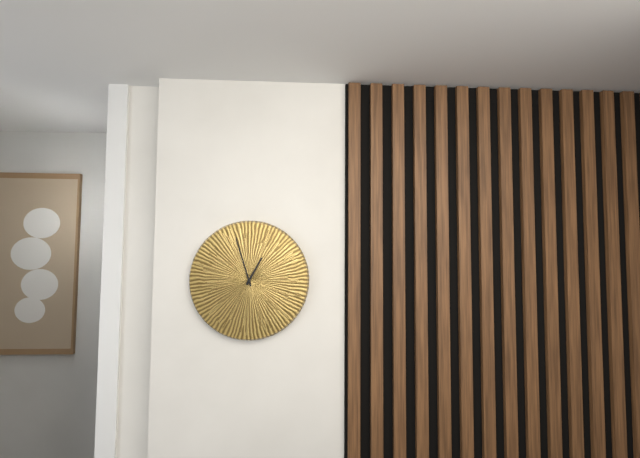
12:57
